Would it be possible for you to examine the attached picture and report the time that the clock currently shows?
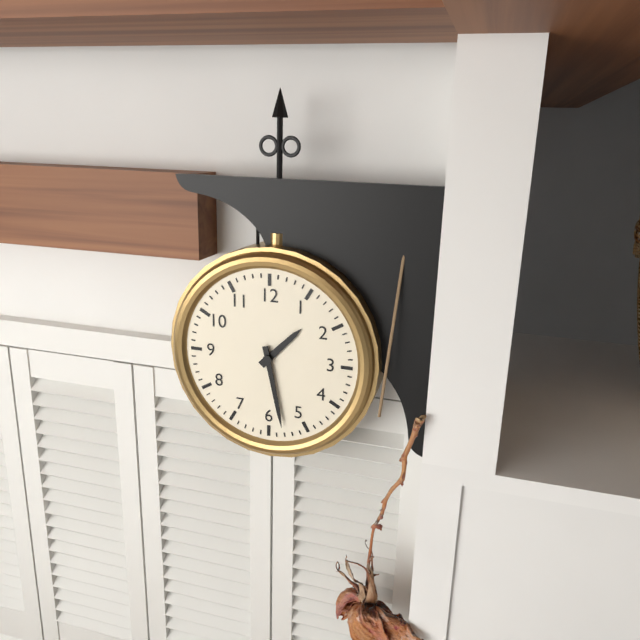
1:28
